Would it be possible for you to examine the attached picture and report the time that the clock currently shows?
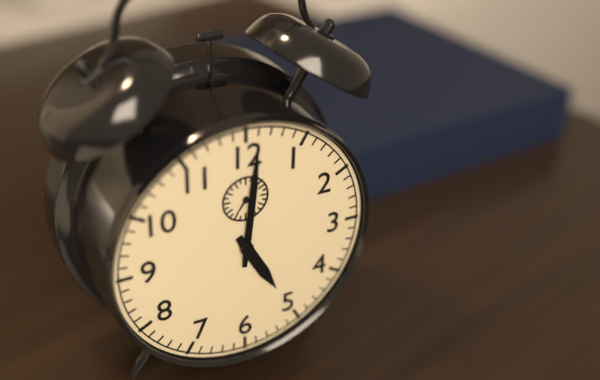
5:01
